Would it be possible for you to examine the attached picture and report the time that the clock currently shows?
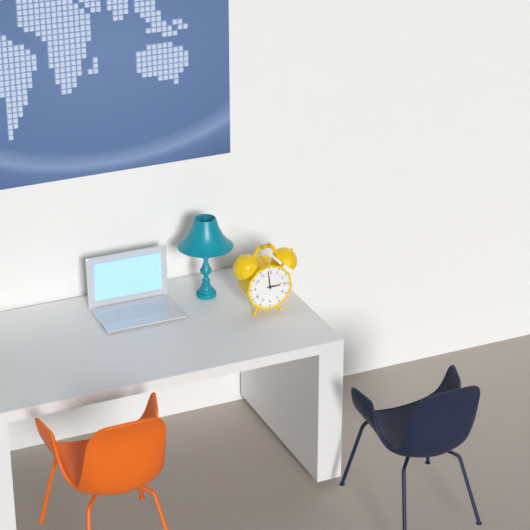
2:59
